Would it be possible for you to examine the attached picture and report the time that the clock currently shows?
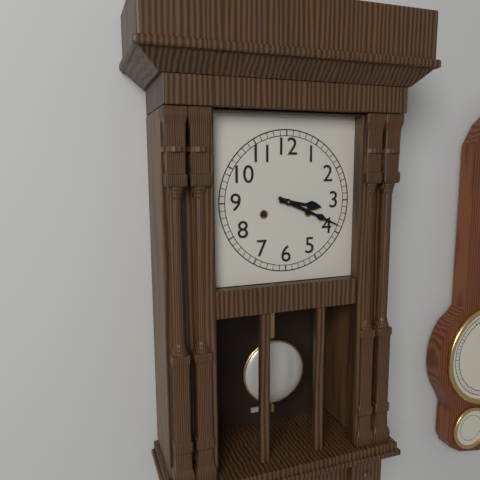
3:19
